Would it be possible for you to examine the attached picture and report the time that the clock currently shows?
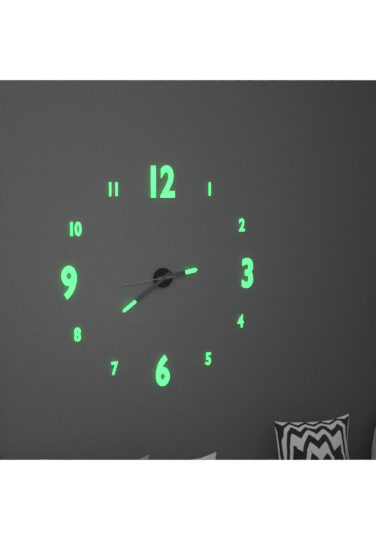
2:39:44
